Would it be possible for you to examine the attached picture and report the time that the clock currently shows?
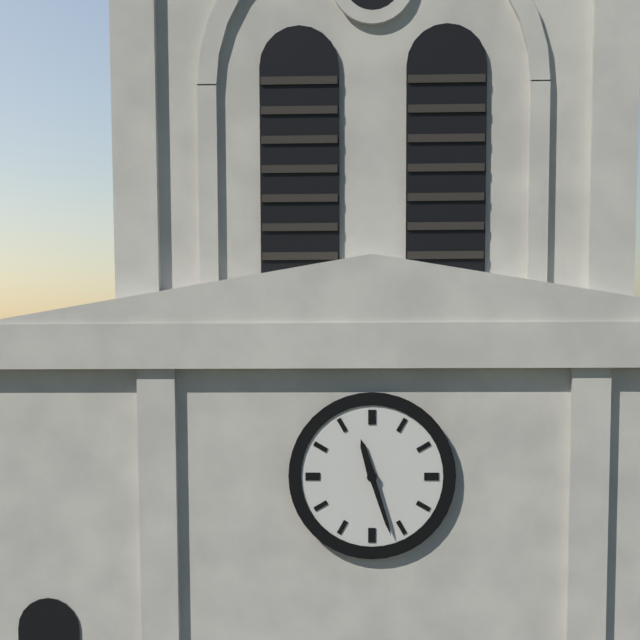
11:27
